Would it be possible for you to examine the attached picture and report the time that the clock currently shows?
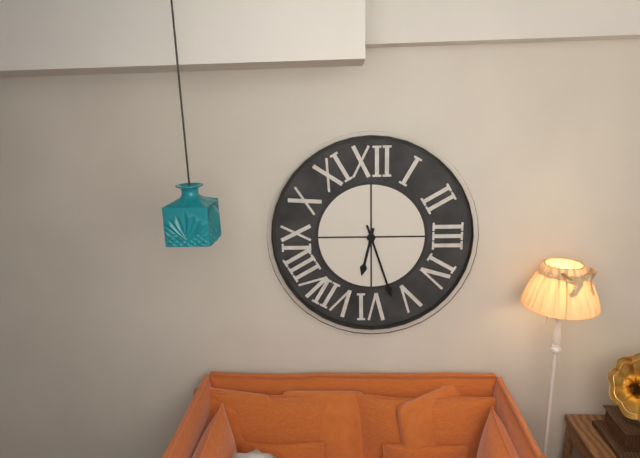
6:27
